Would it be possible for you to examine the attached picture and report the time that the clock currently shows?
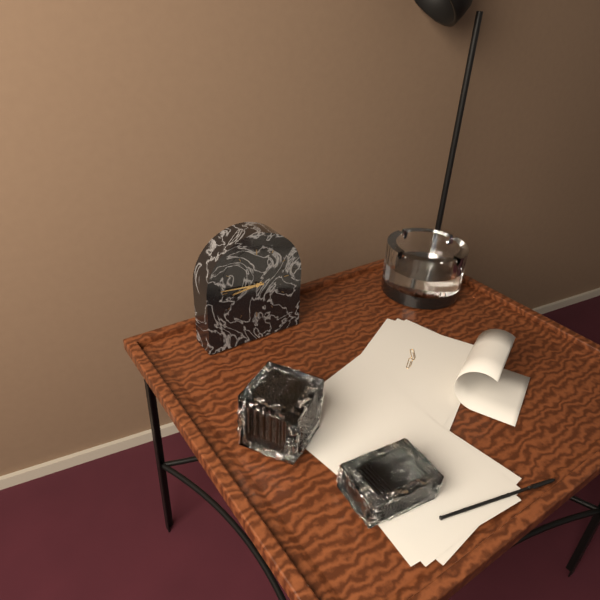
8:46
